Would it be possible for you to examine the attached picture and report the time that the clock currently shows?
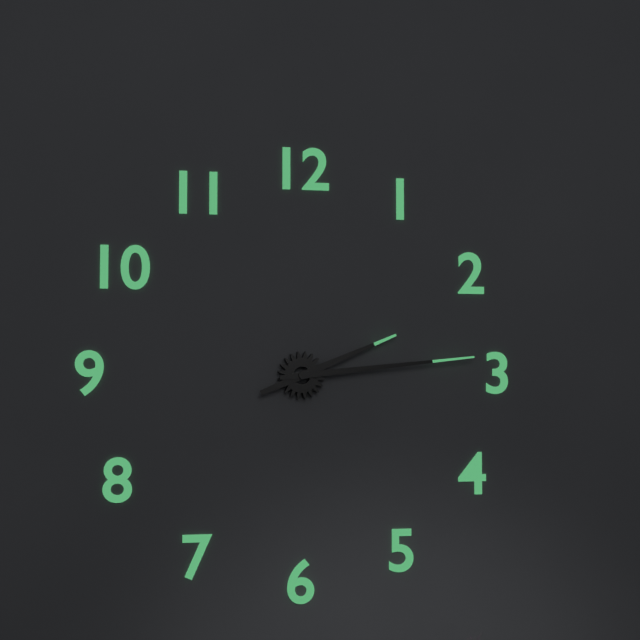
2:14
